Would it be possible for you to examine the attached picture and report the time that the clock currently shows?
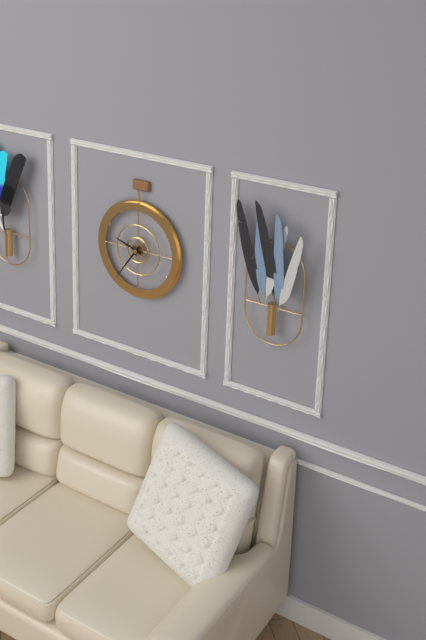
9:36
